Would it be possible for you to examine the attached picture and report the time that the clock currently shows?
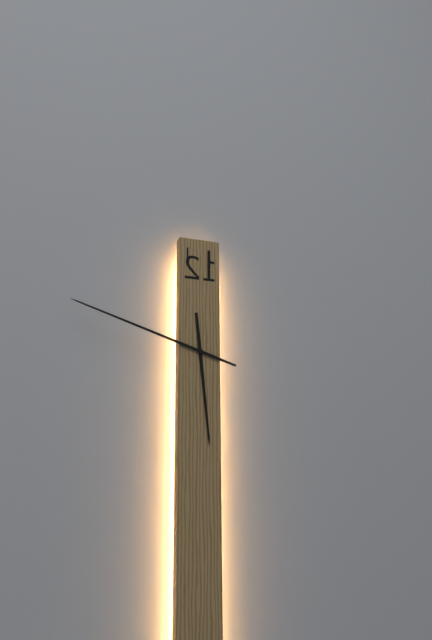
5:48
